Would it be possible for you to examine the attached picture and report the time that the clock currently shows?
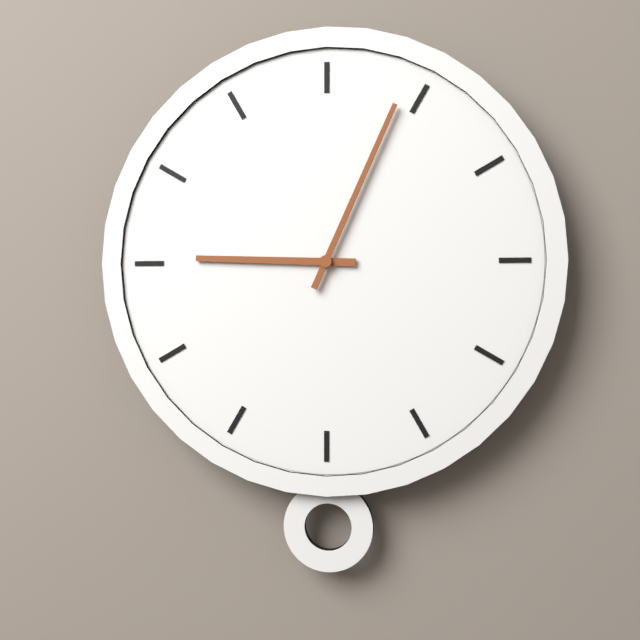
9:04
